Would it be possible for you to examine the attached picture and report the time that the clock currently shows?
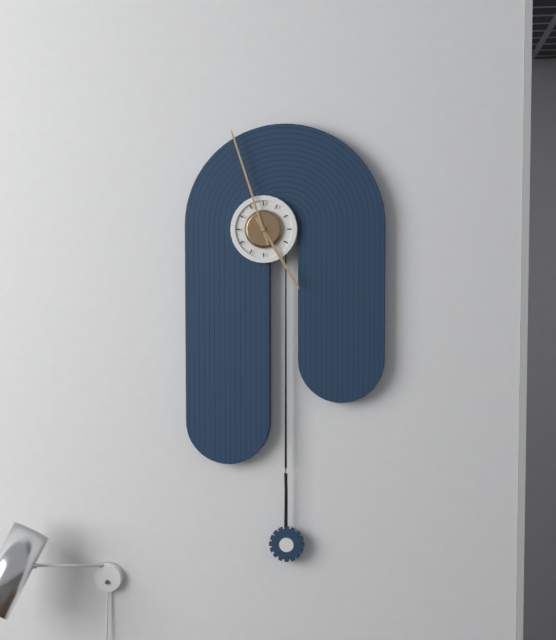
4:57
